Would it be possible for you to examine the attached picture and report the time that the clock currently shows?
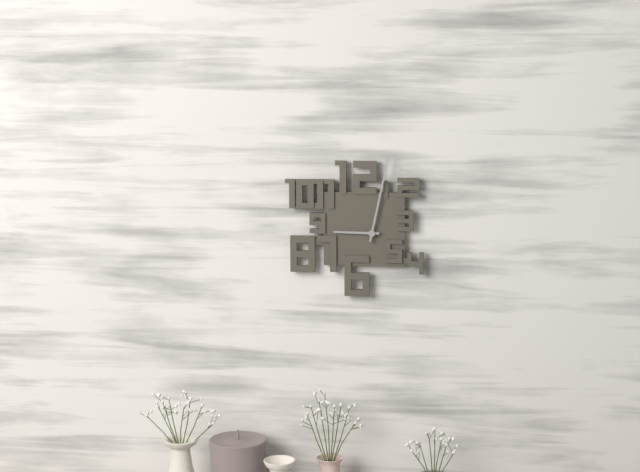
9:02
